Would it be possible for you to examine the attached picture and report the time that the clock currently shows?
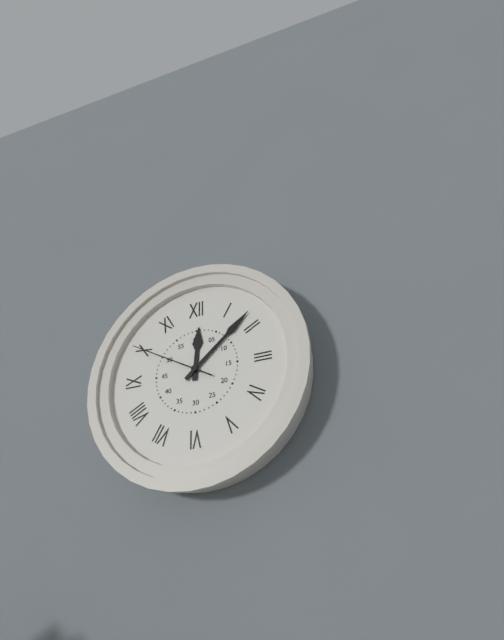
12:08:50
